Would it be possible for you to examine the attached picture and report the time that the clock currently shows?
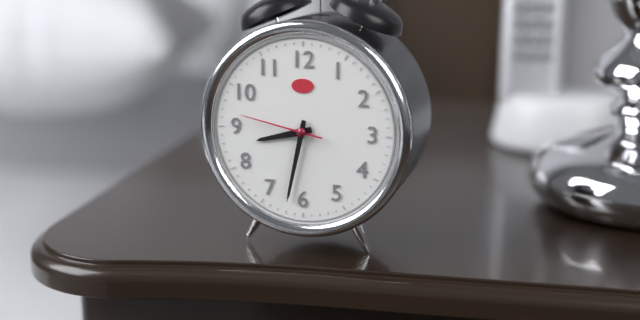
8:32:47
